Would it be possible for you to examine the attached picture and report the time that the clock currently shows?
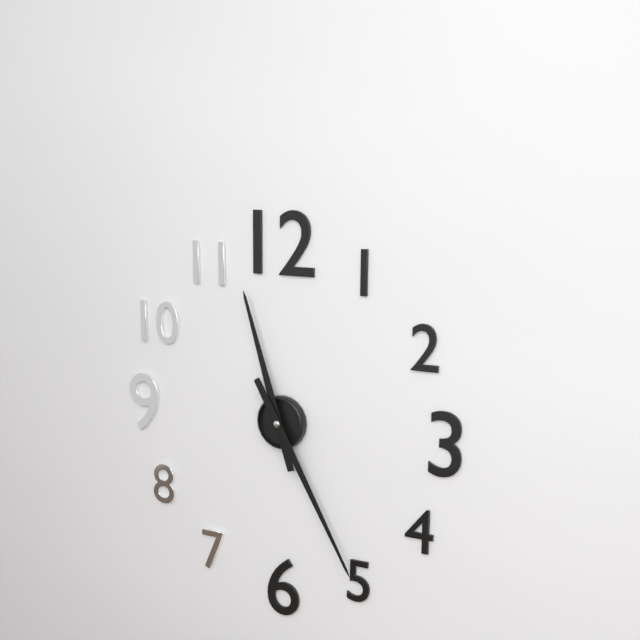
11:25
